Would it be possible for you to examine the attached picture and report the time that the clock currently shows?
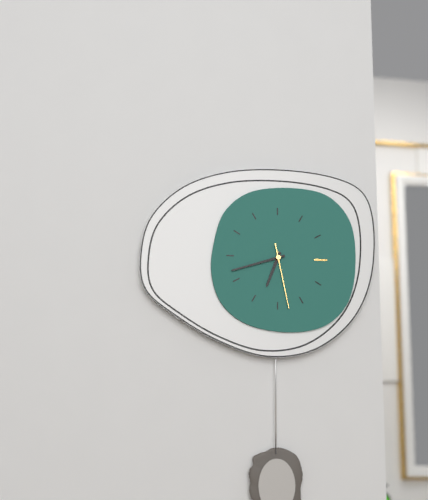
6:42:28
